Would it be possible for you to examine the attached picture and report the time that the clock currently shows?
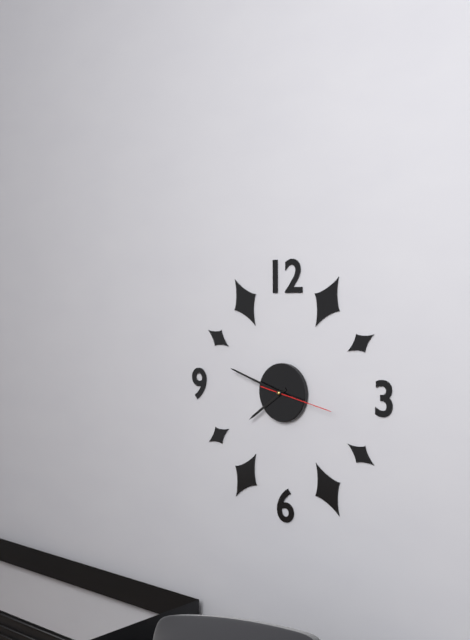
7:48:17
